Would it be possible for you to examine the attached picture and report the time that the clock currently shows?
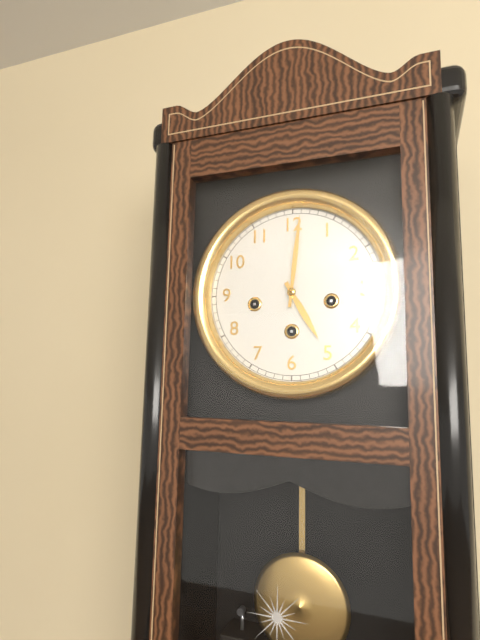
5:01
